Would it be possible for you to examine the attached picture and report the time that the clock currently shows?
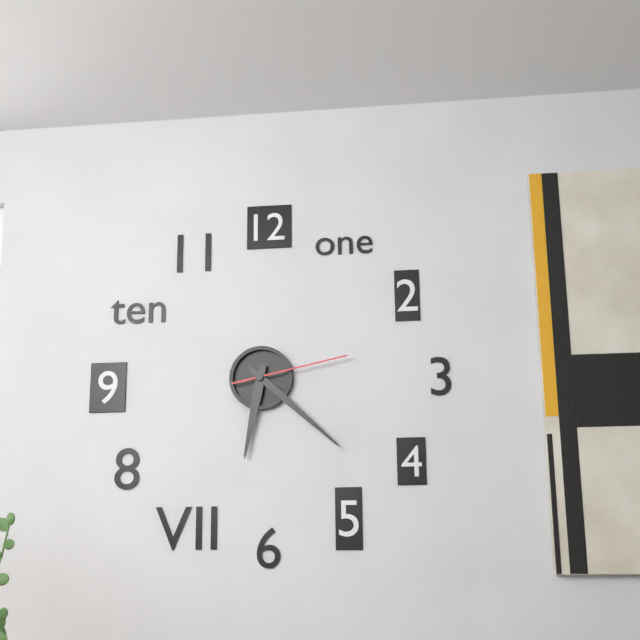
6:22:13
